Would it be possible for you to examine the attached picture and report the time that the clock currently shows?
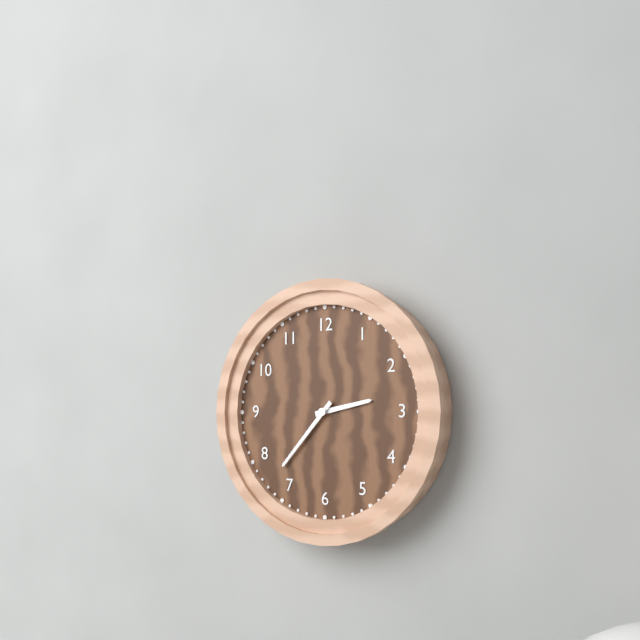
2:37
